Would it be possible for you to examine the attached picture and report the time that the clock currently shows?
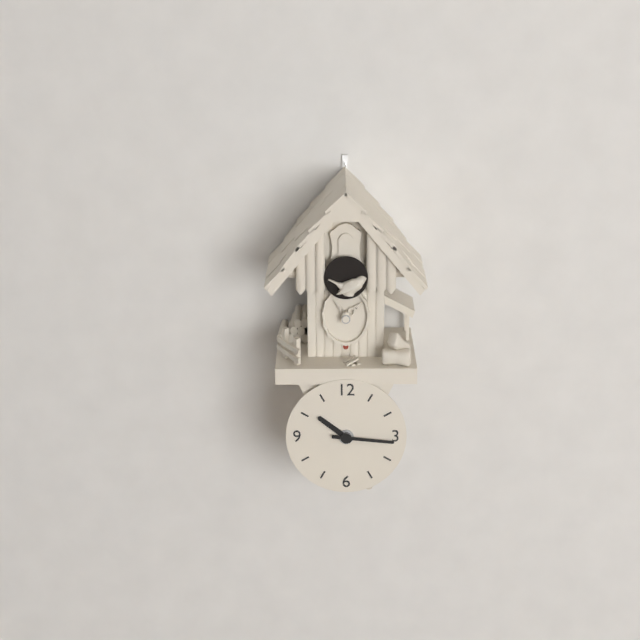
10:16
